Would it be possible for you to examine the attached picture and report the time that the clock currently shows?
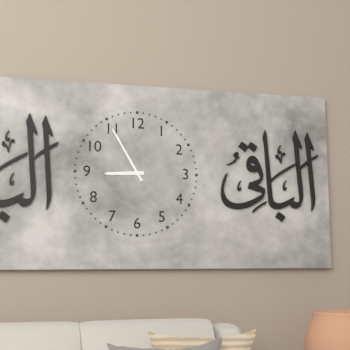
8:55
